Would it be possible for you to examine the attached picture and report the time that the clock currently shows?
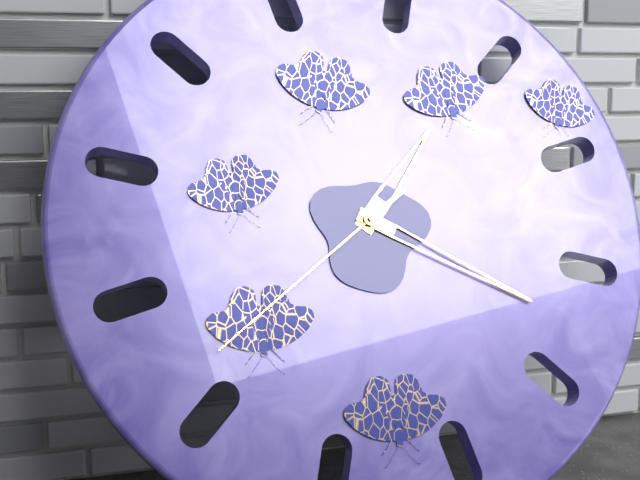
1:20:39
